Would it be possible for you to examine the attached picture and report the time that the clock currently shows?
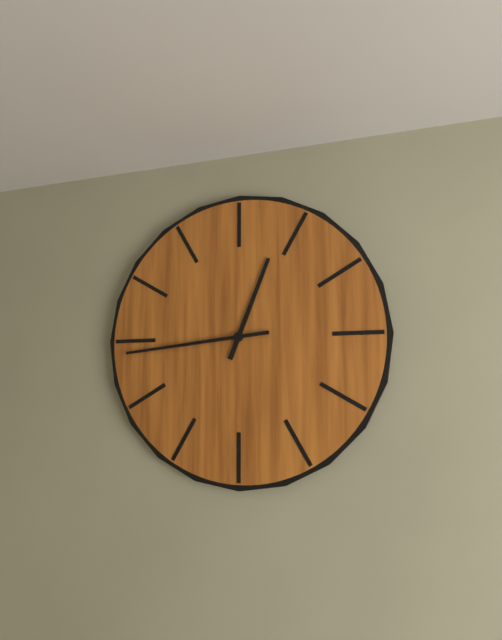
12:44
